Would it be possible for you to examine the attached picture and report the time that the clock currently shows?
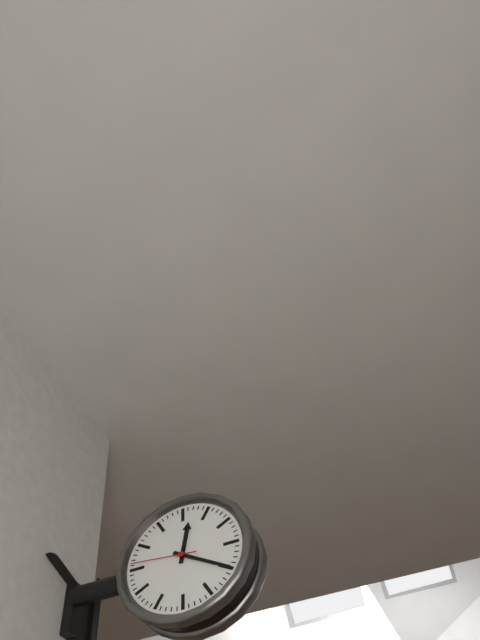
12:20:46
